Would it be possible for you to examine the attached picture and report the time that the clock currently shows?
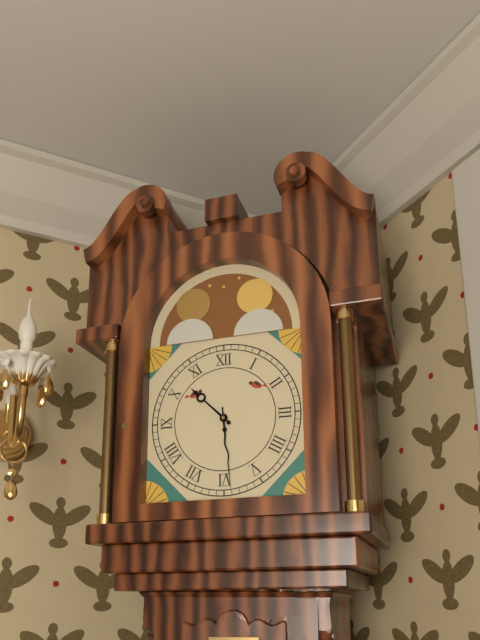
10:29
